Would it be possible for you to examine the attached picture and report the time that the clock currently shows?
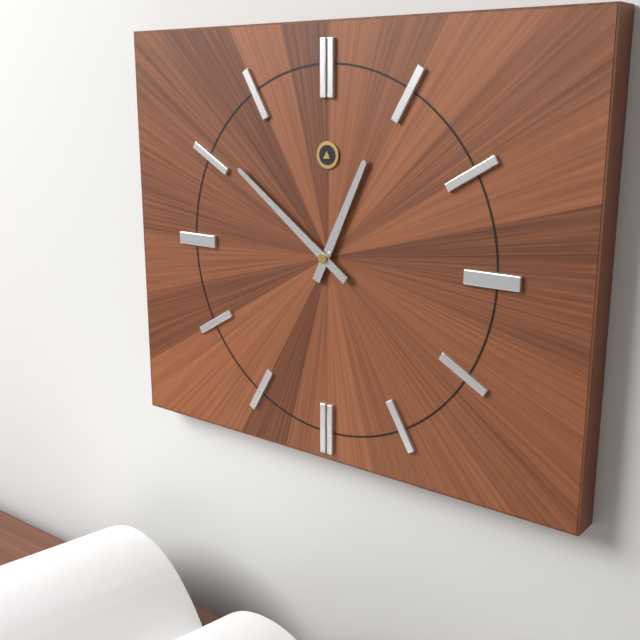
12:51
